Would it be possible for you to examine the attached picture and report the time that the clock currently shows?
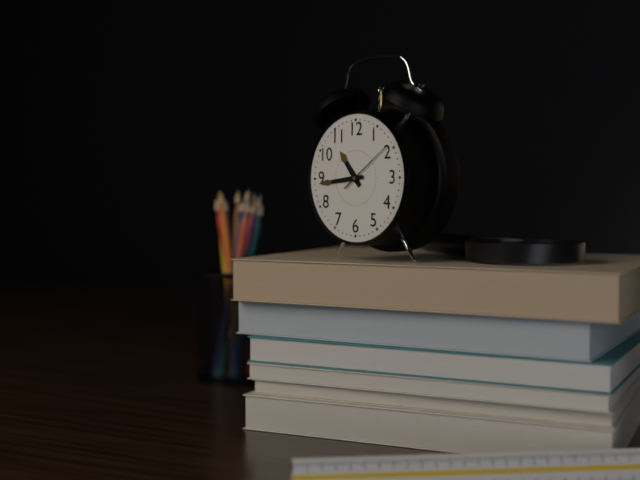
10:44:09
